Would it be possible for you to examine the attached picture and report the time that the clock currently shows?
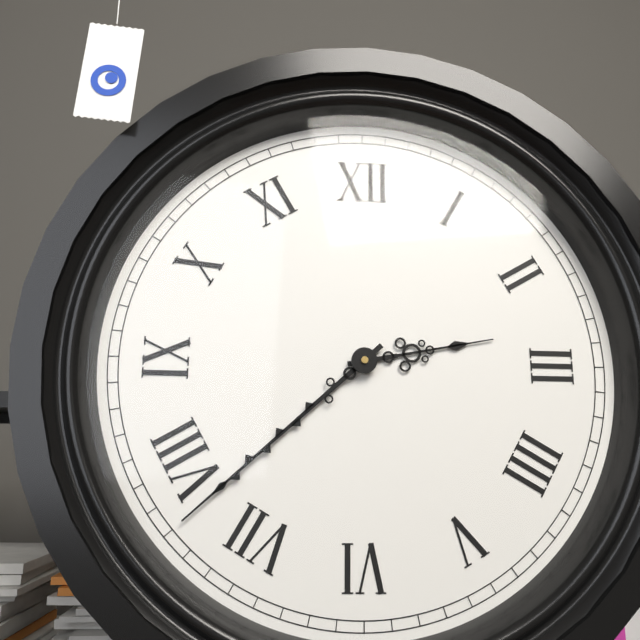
2:38
